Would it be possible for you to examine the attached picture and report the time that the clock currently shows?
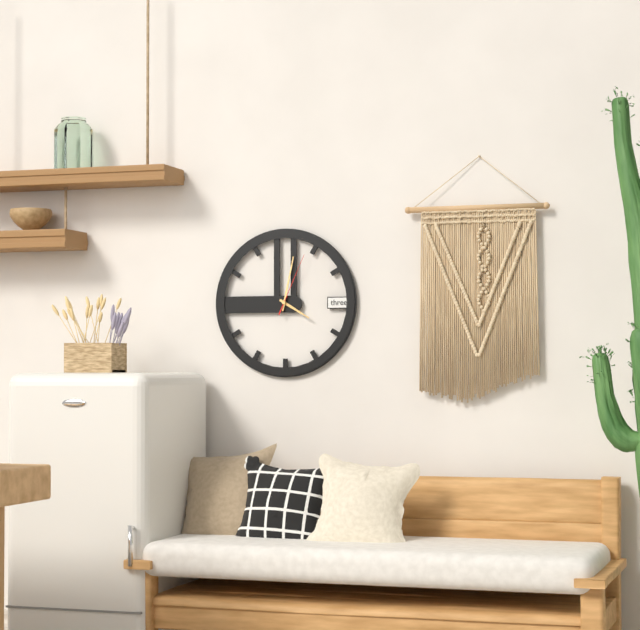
4:02:04
